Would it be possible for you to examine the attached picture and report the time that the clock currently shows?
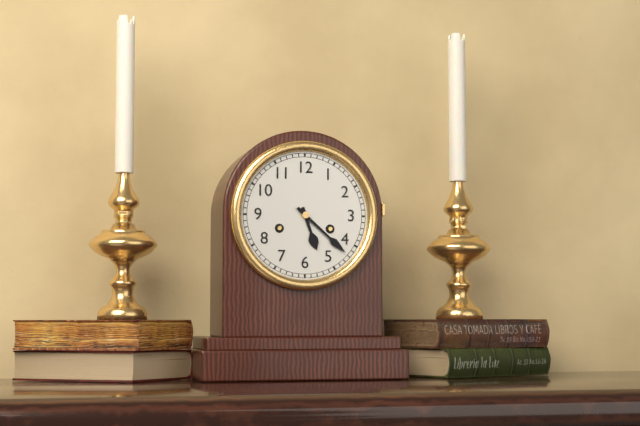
5:22
